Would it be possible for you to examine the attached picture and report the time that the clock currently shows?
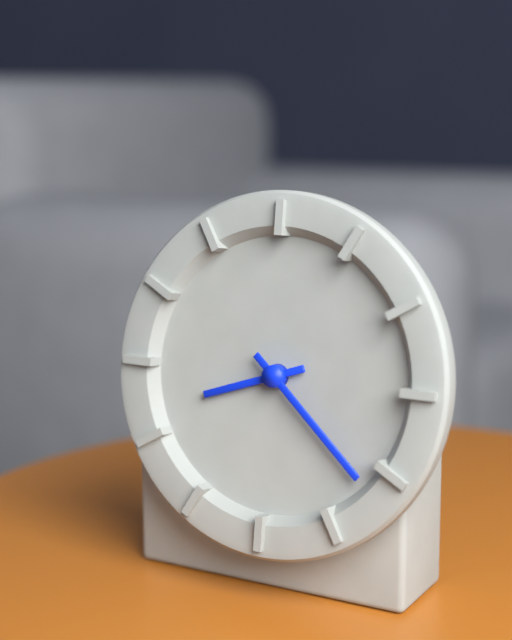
8:22
